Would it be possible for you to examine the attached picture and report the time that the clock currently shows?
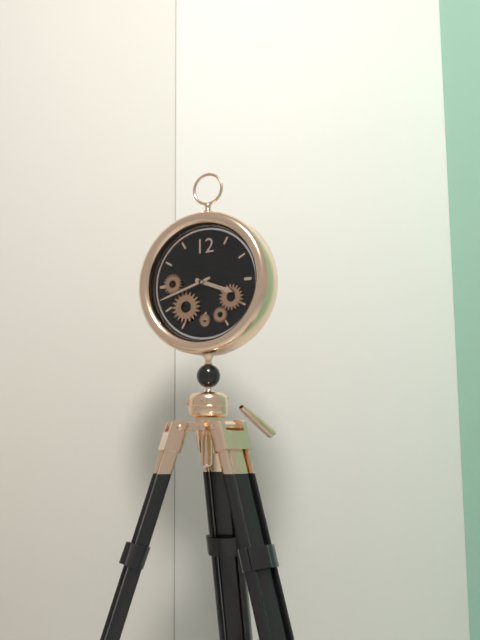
3:42
